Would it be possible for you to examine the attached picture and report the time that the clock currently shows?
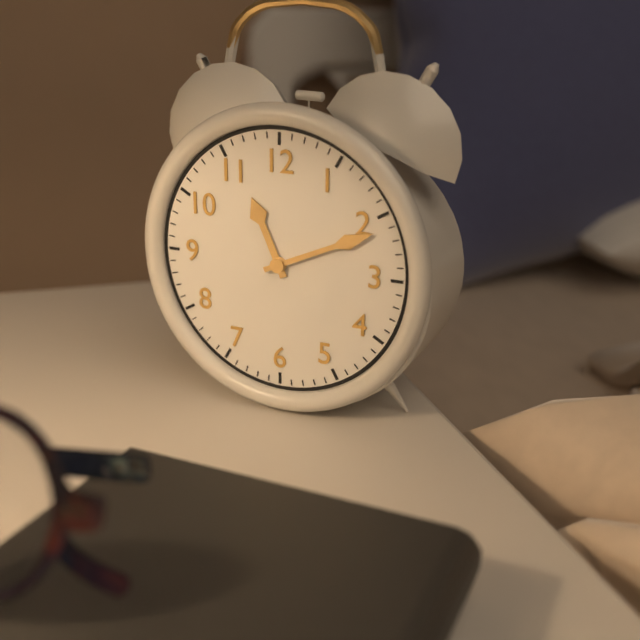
11:11
